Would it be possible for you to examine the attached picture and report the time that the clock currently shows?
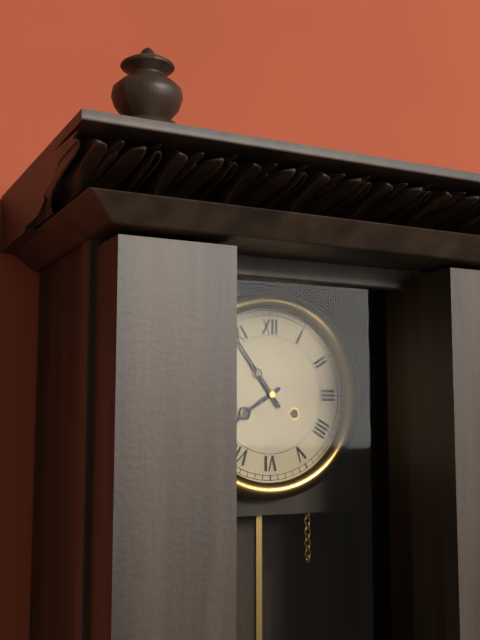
7:54
